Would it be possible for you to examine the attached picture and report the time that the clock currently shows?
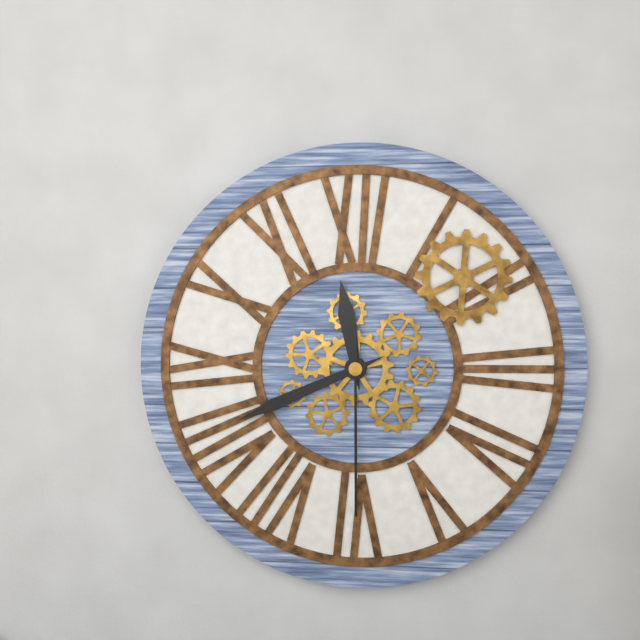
11:41:30
